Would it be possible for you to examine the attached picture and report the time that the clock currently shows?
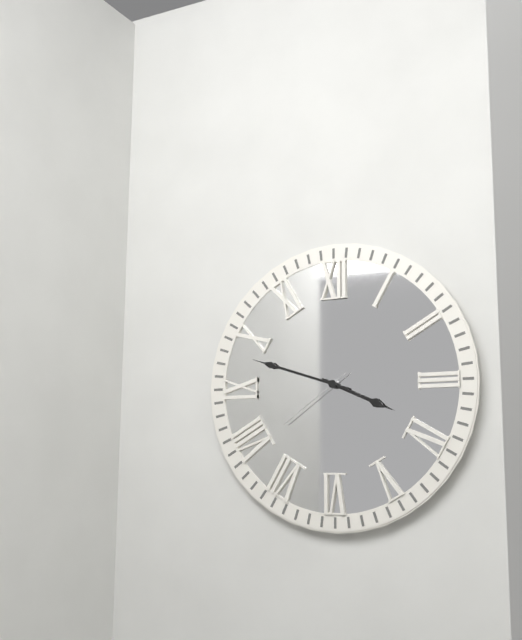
3:48:39
